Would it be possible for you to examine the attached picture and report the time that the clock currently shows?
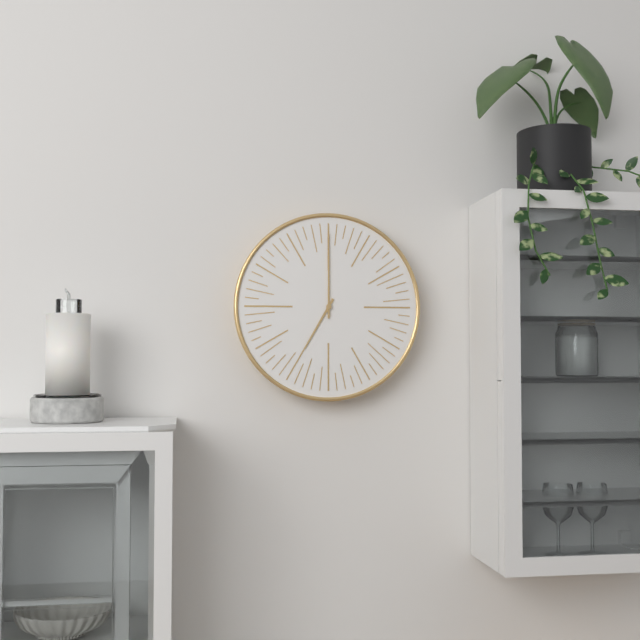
7:00
